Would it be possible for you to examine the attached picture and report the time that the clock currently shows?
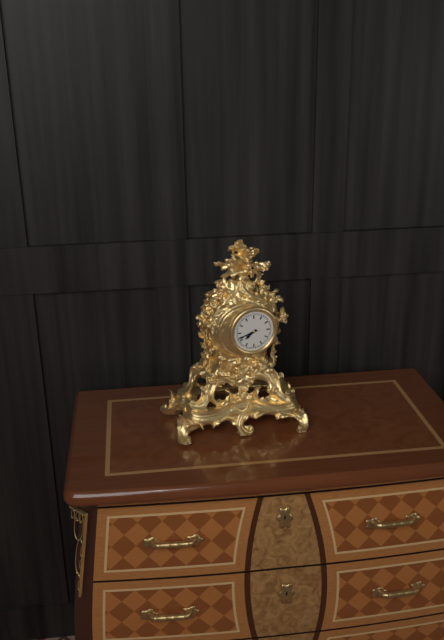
7:42
